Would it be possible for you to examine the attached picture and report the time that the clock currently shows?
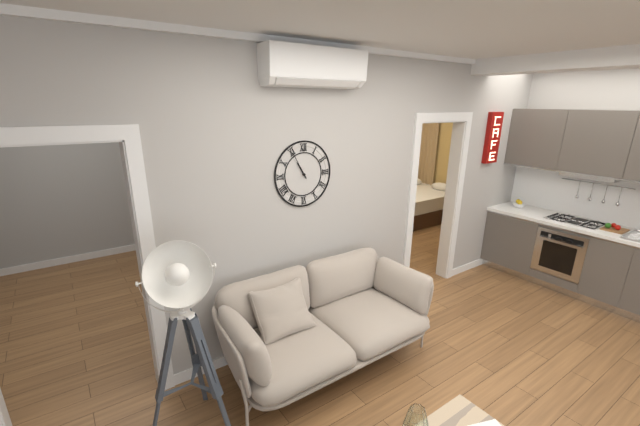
10:55
